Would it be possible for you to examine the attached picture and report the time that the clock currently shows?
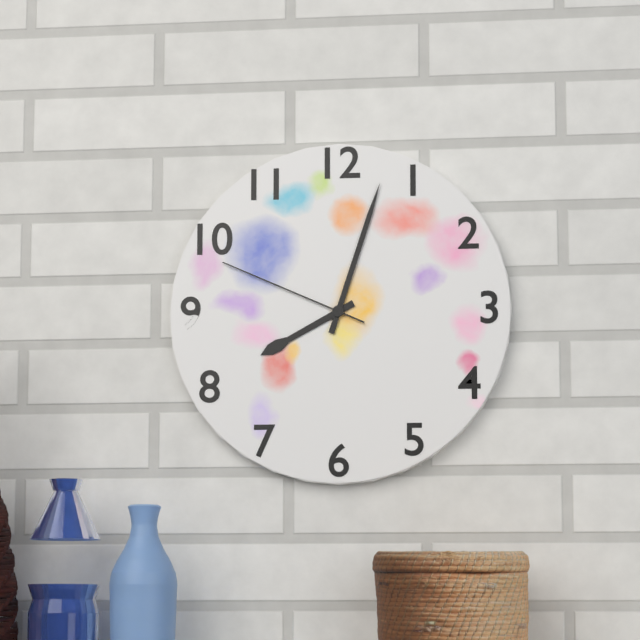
8:03:49
